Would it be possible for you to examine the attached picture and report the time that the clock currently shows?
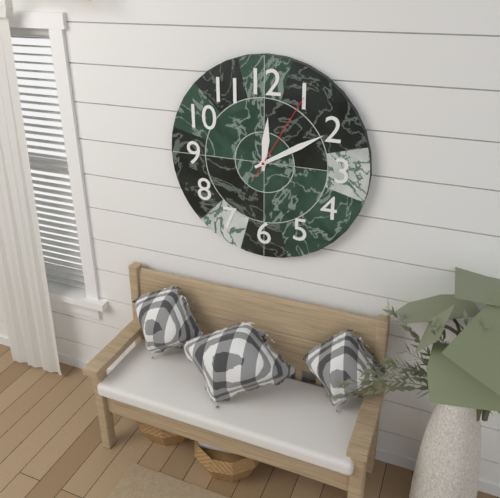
12:10:05
